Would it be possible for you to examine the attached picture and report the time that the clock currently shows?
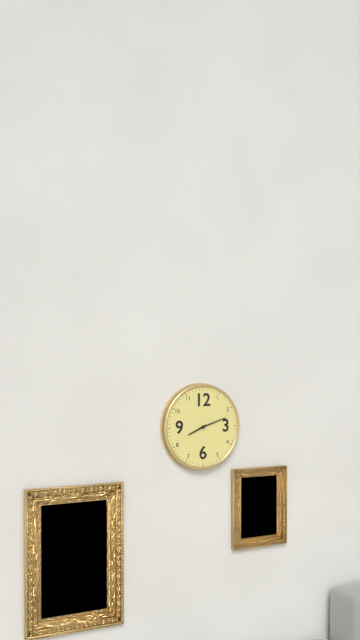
8:12
